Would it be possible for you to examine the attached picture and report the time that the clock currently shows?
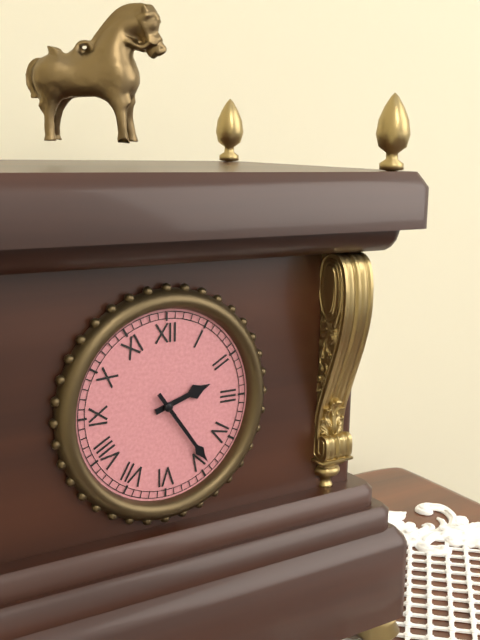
2:24
